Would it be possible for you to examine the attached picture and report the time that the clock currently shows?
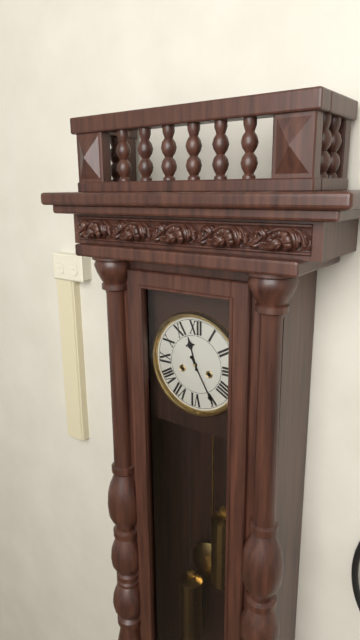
11:25
